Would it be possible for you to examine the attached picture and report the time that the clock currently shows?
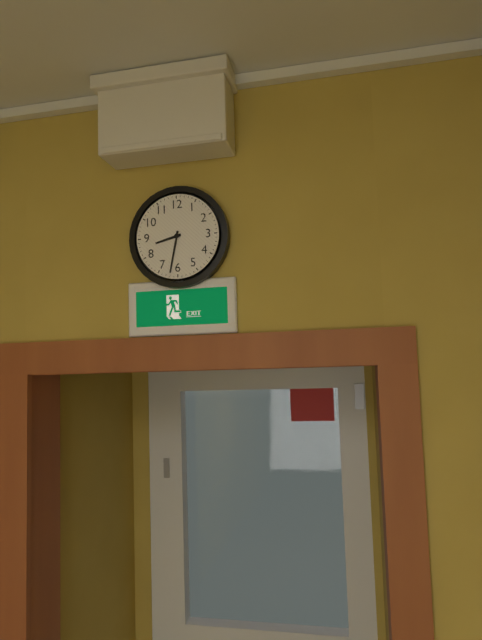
8:32
